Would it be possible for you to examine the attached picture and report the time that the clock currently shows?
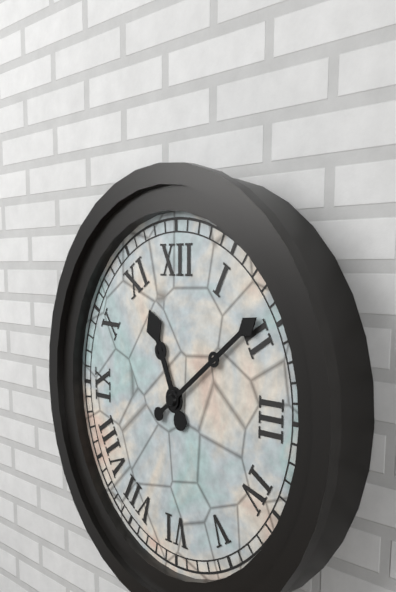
11:09
